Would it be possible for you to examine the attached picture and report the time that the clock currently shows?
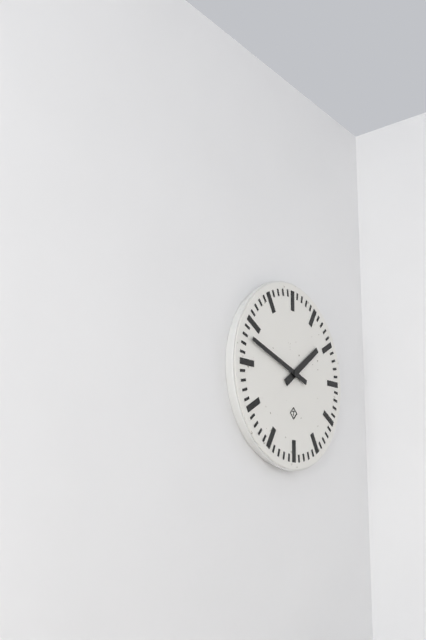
1:48
